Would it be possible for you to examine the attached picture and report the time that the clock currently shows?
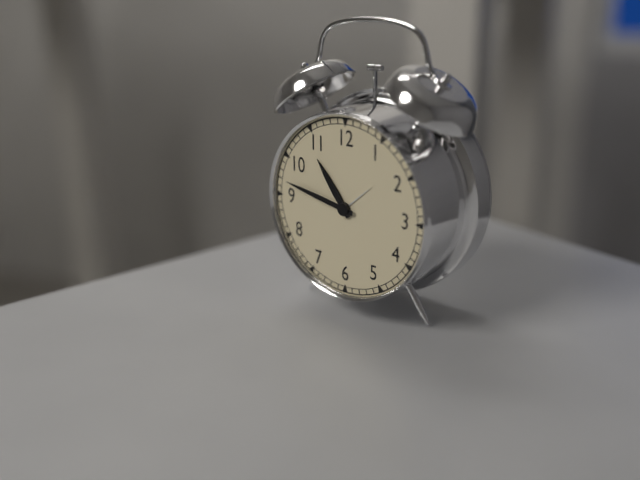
10:47
